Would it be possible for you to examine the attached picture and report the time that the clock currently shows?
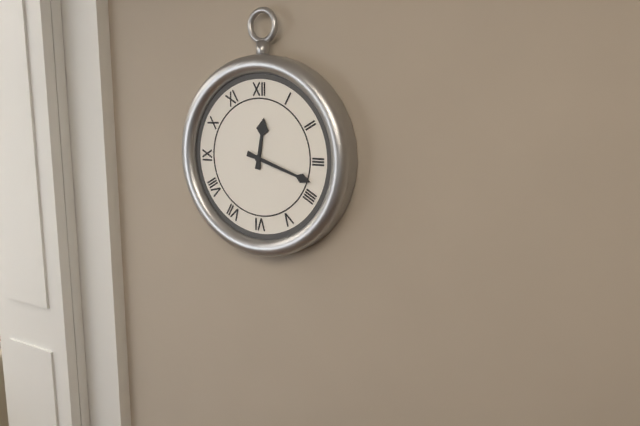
12:18
